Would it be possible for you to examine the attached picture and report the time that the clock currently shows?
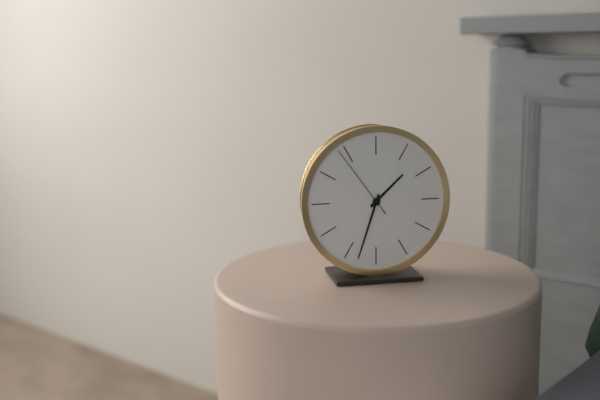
1:33:54
